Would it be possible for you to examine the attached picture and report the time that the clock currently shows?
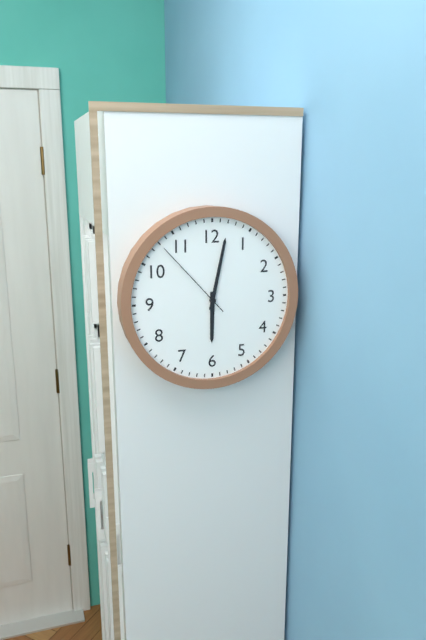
6:02:53
